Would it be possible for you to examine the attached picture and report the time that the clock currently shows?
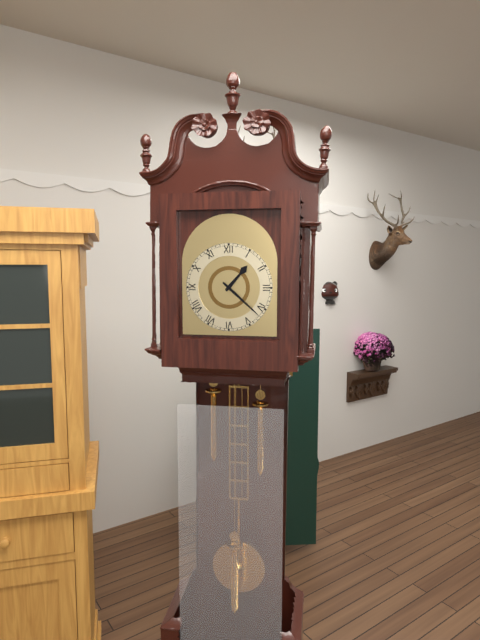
1:22
